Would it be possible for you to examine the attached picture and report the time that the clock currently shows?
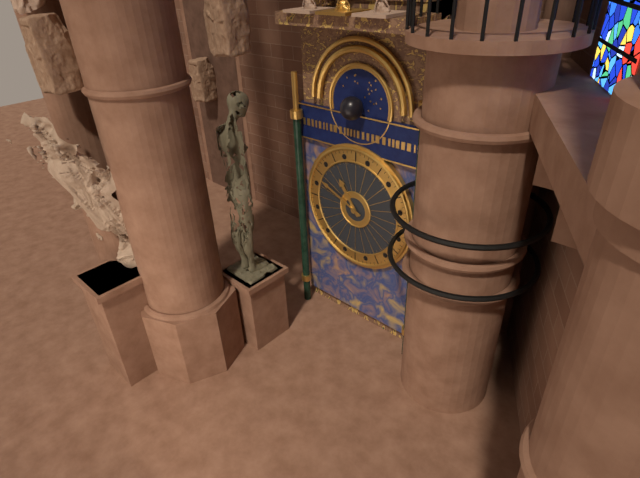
10:49
